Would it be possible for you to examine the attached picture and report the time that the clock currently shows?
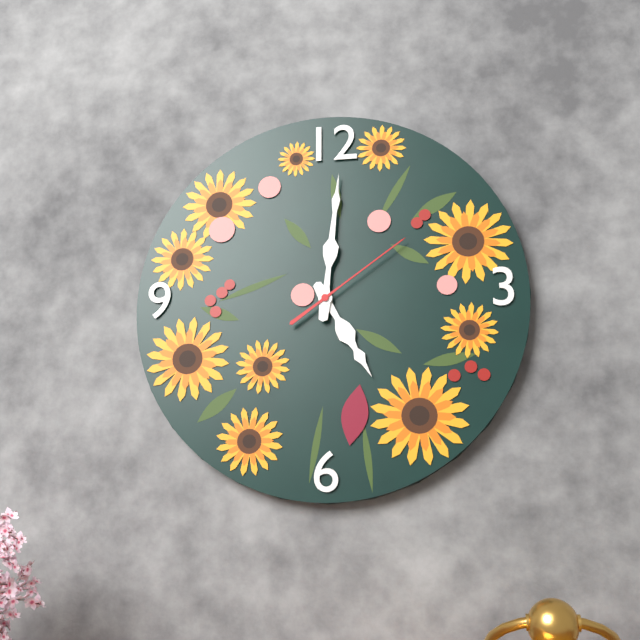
5:01:09
